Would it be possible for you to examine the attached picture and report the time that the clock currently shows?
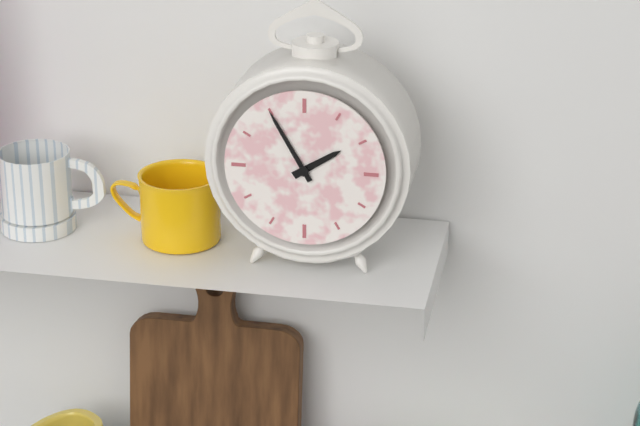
1:55
